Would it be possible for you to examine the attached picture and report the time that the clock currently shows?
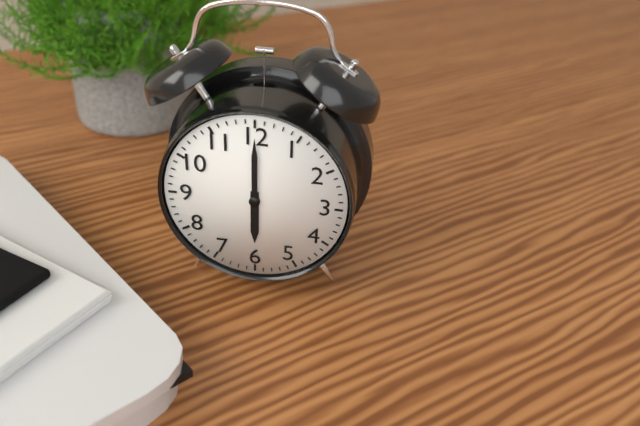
6:00
